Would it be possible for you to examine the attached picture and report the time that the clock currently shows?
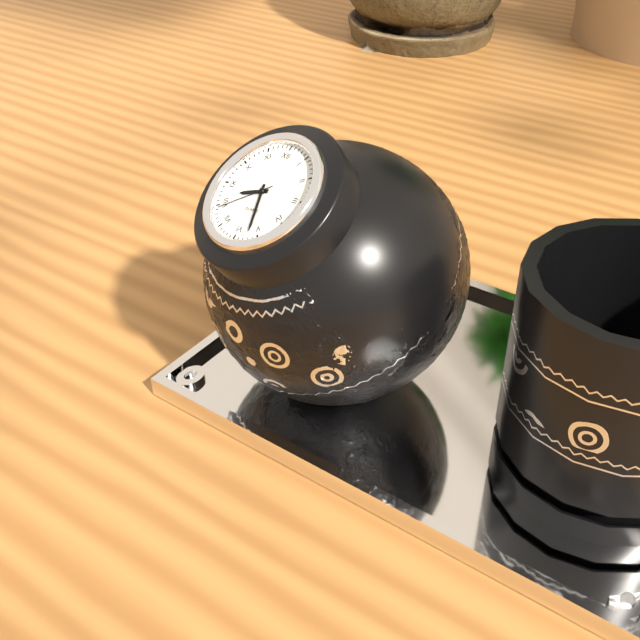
8:27:39
